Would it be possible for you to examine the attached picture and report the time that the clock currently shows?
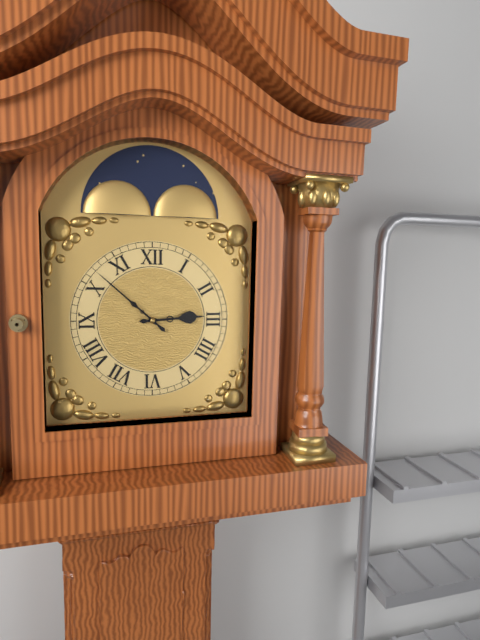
2:52
